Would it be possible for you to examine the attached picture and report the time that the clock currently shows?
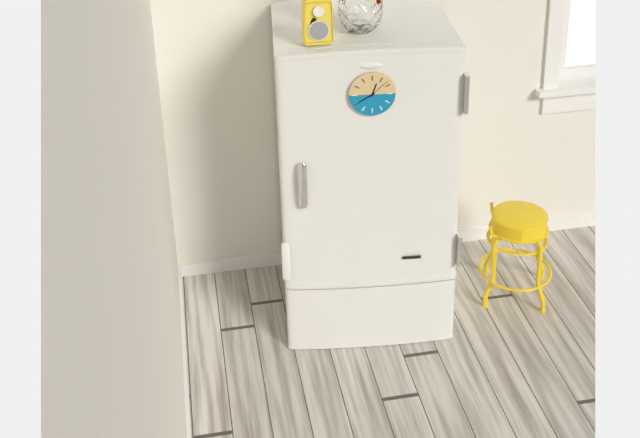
12:40
